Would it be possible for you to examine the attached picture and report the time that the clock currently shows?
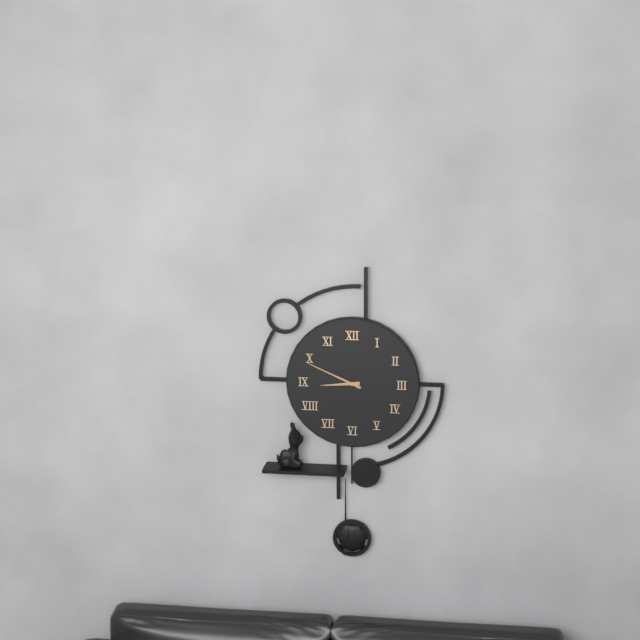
8:49
